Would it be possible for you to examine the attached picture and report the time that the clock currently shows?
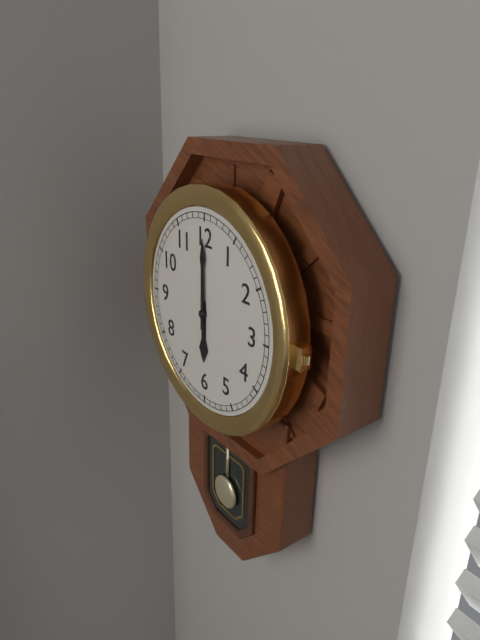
6:00
